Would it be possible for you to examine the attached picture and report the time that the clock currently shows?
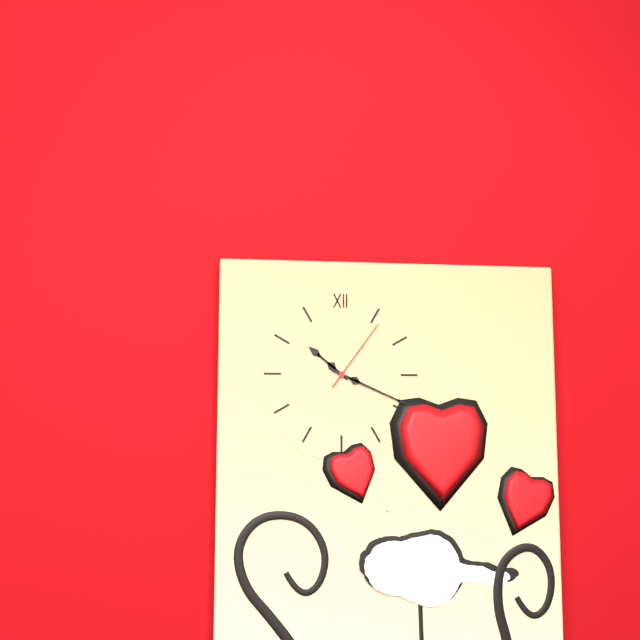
10:19:06
